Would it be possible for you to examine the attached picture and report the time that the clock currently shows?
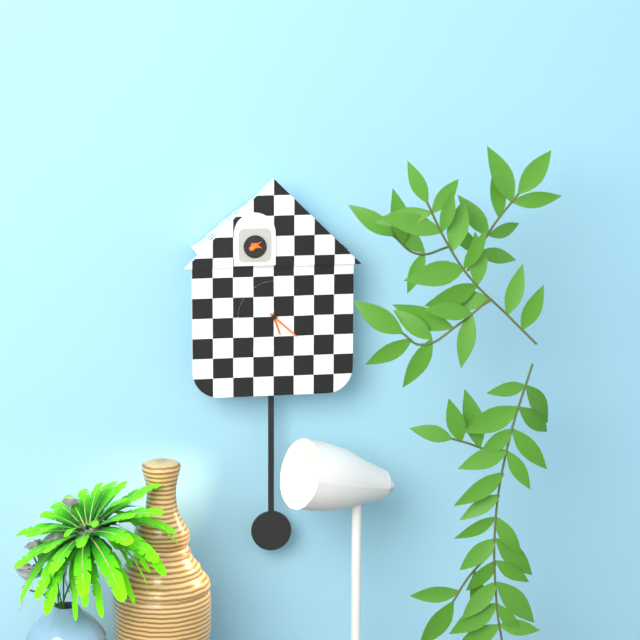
5:22
